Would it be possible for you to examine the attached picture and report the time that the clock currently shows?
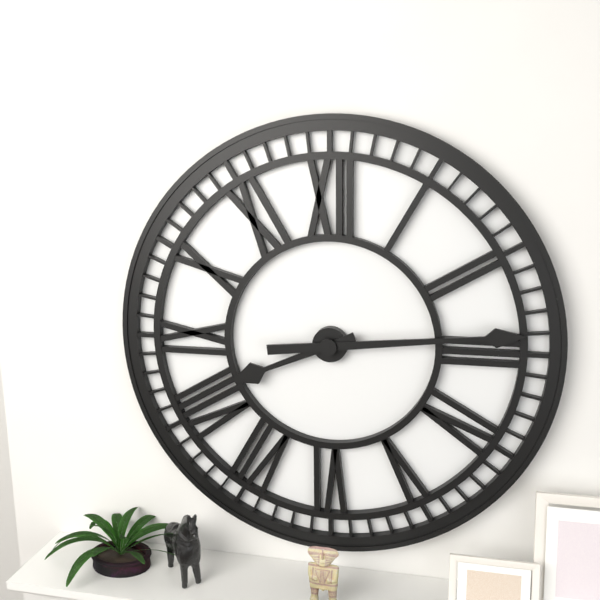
8:14
